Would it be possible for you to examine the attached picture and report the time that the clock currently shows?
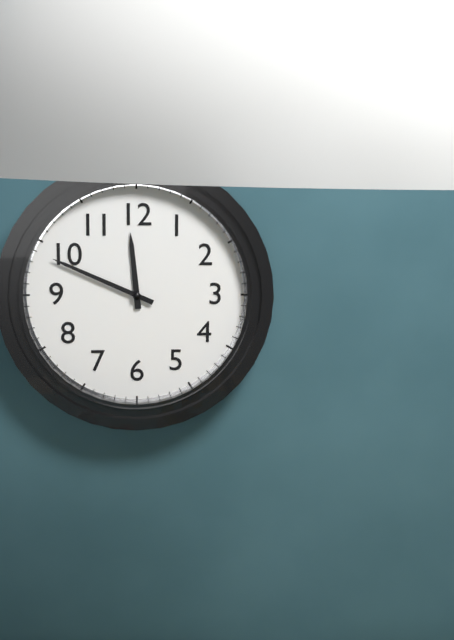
11:49
